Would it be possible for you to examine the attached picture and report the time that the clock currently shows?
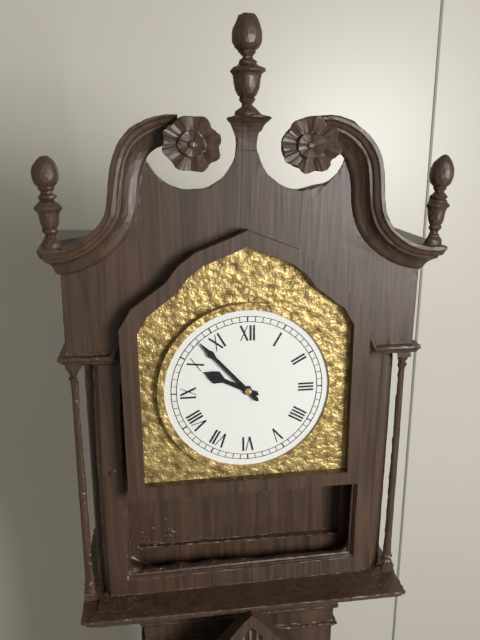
9:53
